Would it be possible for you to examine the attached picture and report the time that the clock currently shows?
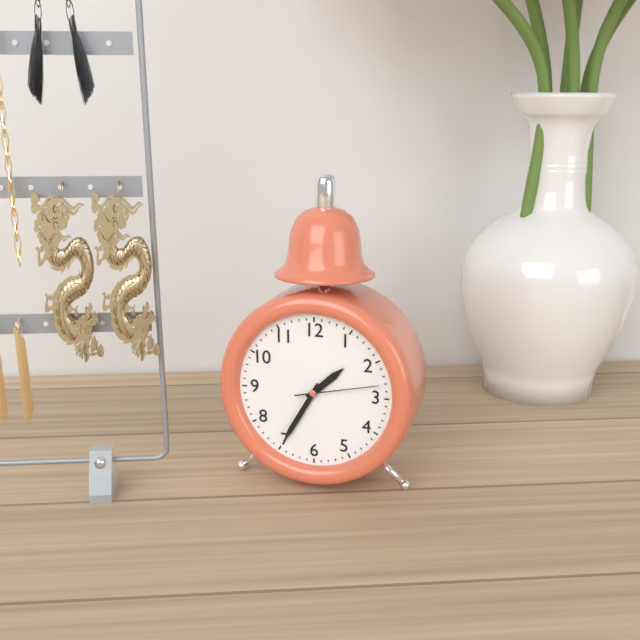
1:35:13
